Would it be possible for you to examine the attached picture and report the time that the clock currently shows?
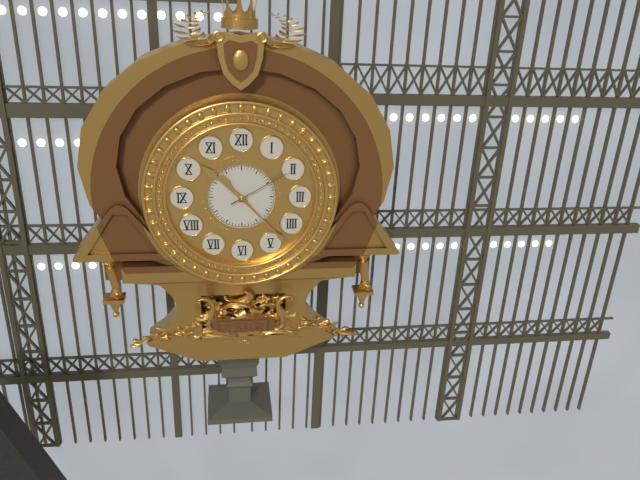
10:23:10
